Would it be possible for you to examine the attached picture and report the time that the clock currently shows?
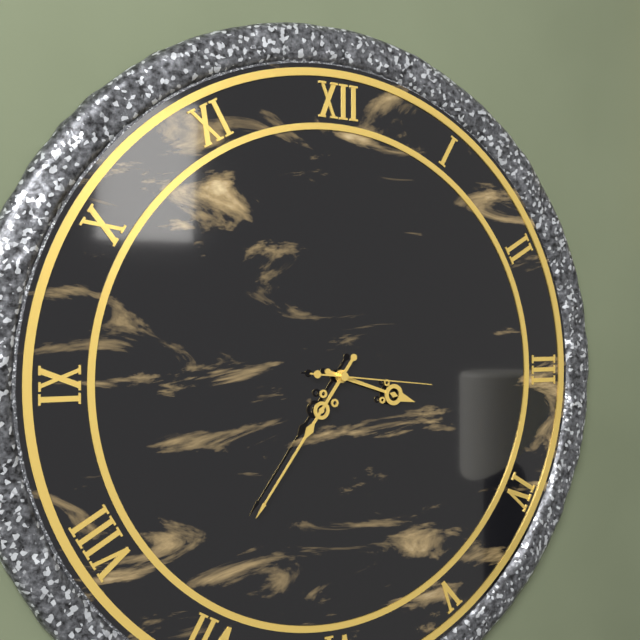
3:36:16
